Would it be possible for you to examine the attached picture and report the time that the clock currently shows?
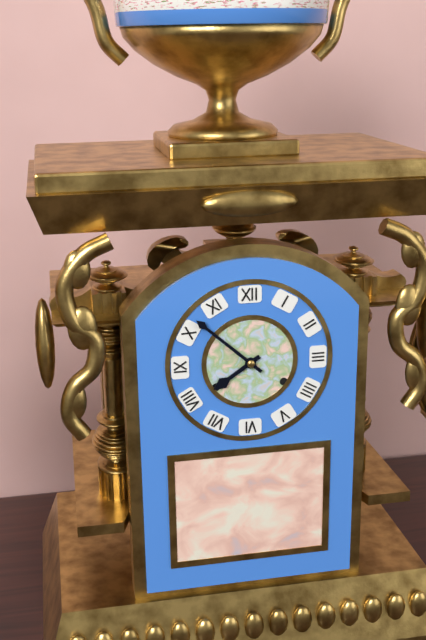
7:52
